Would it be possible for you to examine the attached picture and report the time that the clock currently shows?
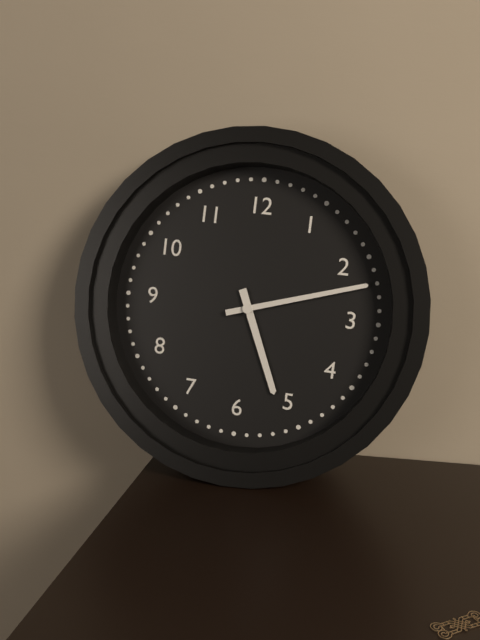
5:12
